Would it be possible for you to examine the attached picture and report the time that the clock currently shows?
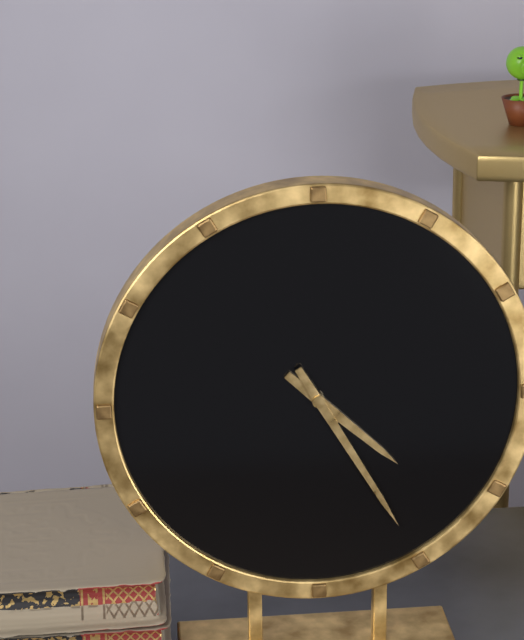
4:25
